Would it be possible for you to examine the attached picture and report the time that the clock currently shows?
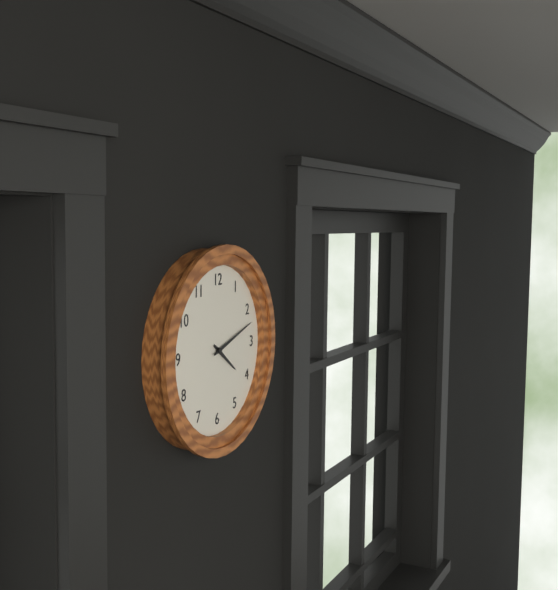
4:12
